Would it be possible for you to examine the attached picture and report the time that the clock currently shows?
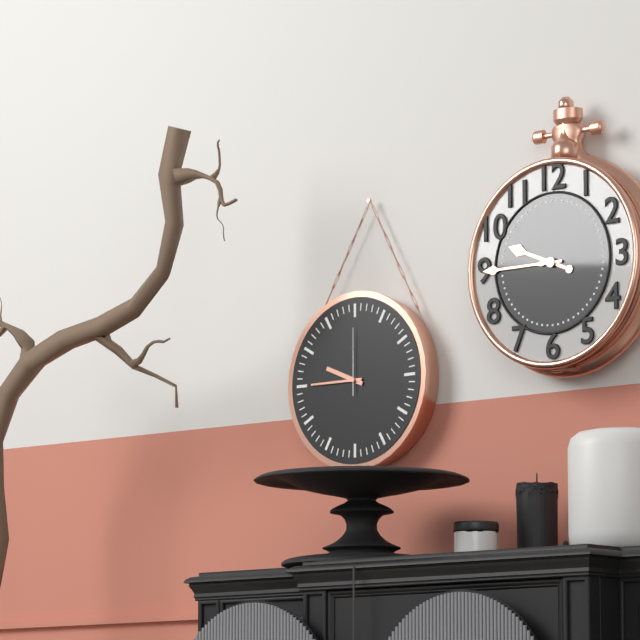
9:45:00
